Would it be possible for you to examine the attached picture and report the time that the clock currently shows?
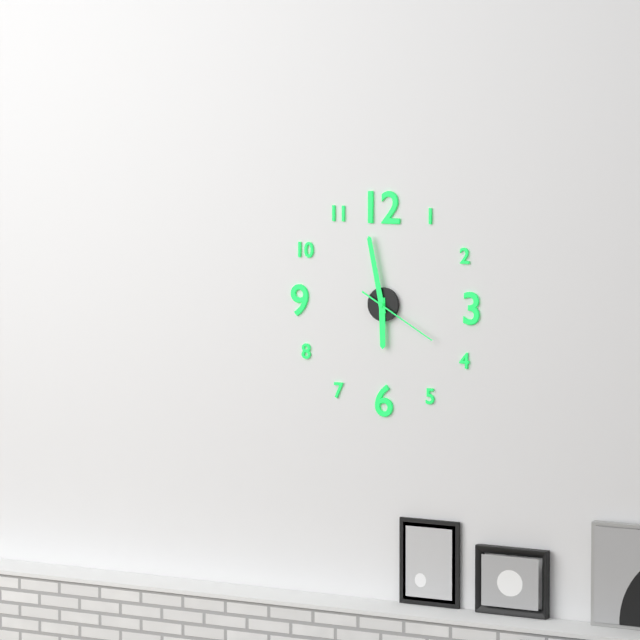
5:58:20
